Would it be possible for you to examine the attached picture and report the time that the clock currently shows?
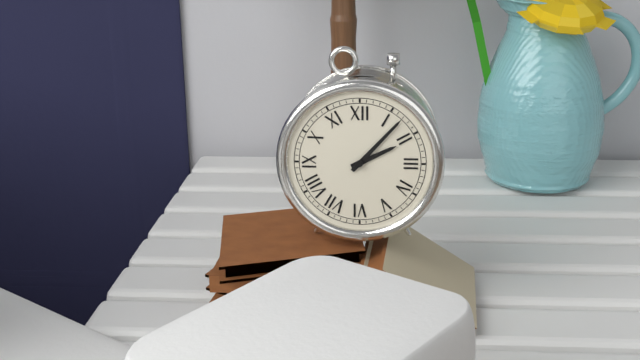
2:07
